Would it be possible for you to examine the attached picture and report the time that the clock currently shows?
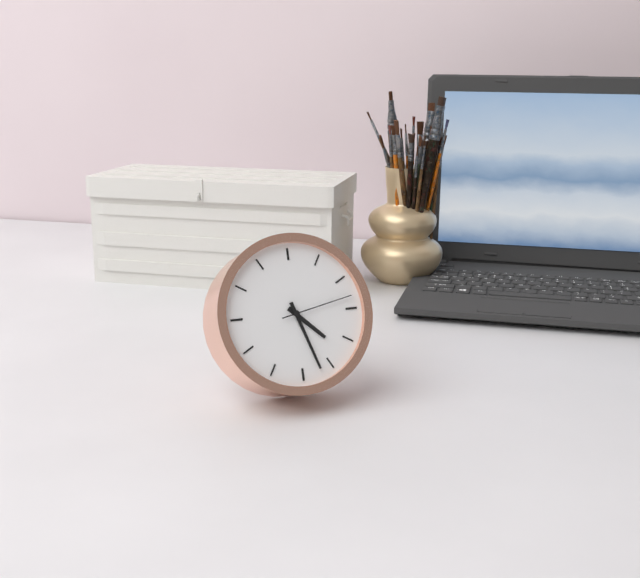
4:27:13
